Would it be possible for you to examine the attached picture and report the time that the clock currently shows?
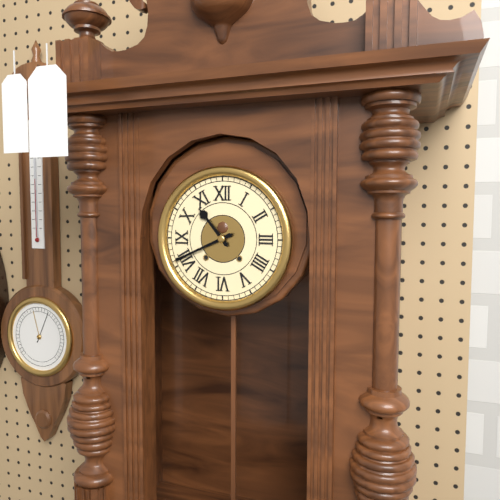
10:41
